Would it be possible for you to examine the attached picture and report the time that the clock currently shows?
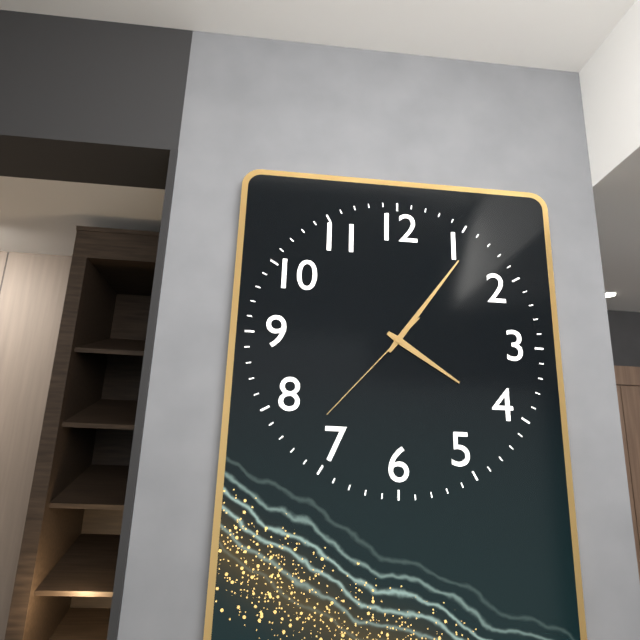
4:06:37
